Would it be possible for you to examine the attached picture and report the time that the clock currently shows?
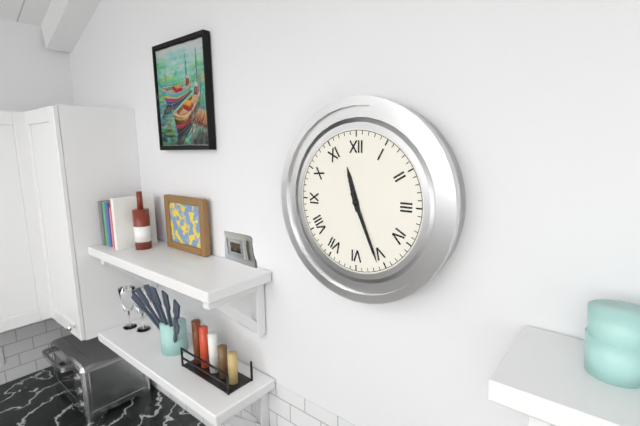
11:26
